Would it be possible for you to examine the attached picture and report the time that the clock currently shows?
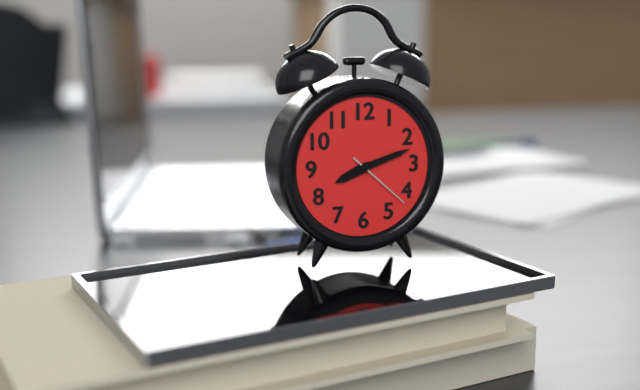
8:12:22
